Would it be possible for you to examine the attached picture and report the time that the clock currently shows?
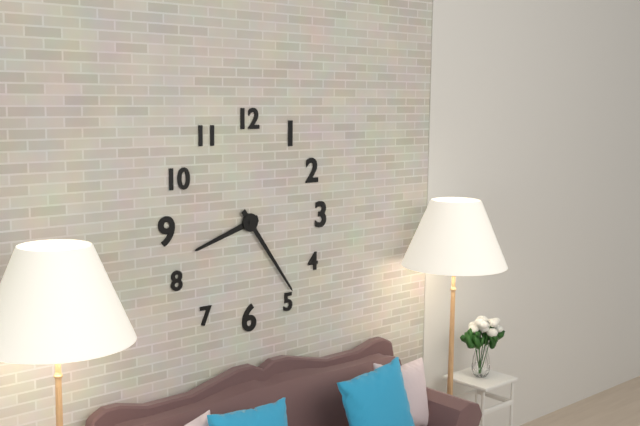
8:24
